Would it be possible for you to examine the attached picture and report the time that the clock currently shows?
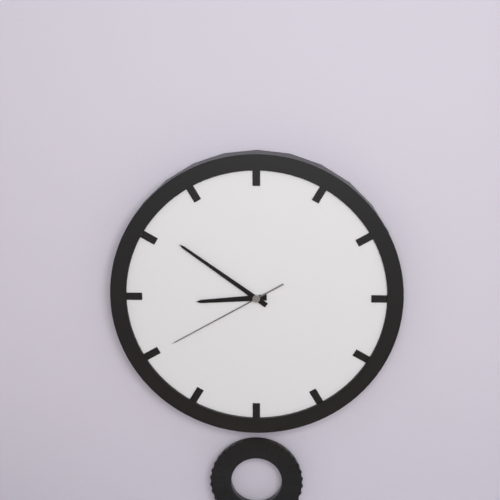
8:51:40
